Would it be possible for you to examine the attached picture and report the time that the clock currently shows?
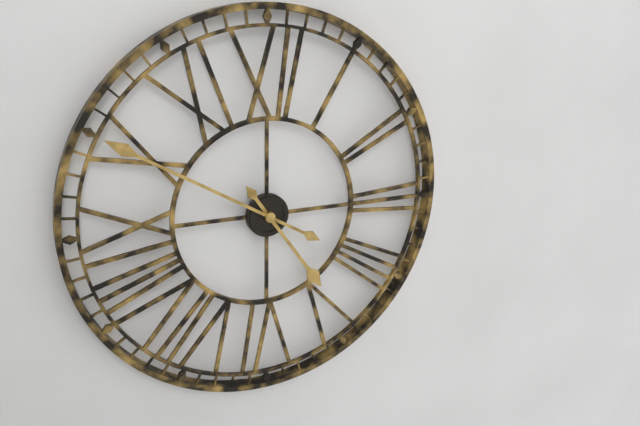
4:50
